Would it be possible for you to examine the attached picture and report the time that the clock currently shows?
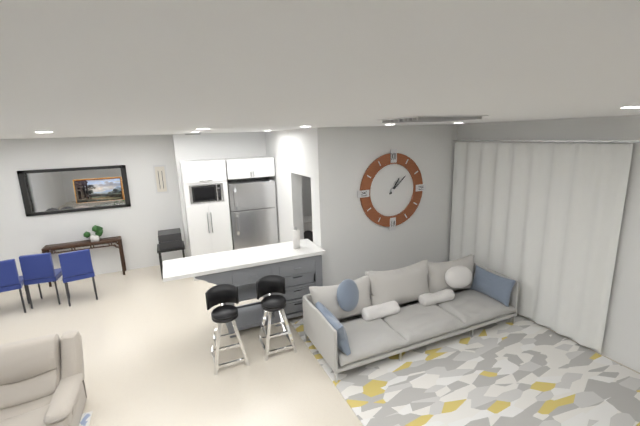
1:08
